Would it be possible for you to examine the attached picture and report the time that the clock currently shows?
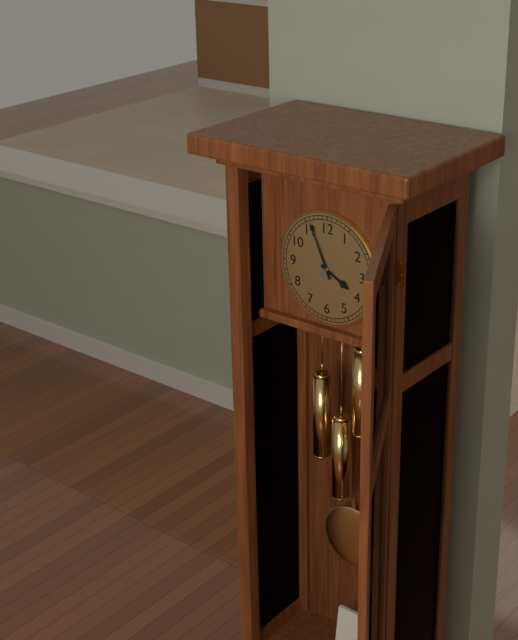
3:56
